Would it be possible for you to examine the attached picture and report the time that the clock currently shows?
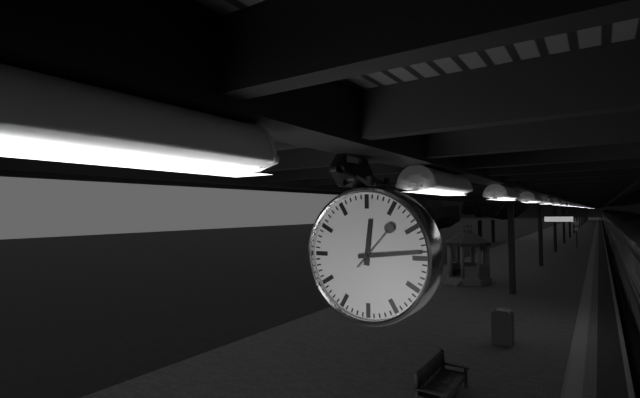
12:14:07
